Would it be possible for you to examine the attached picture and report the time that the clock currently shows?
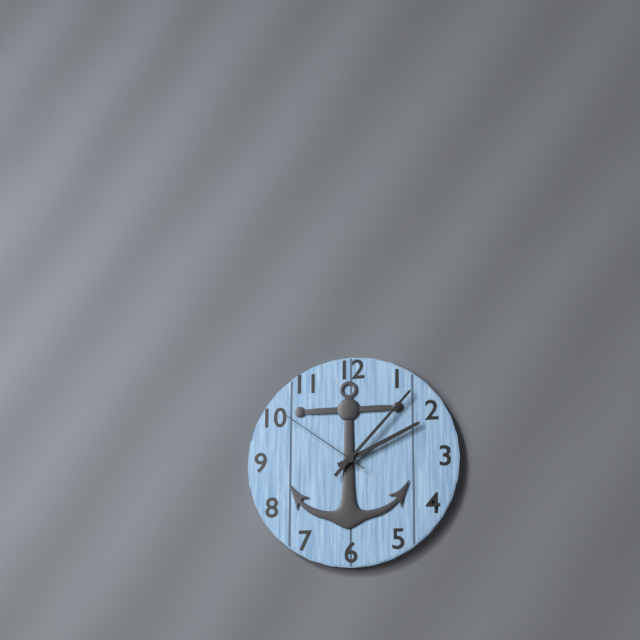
2:07:51
